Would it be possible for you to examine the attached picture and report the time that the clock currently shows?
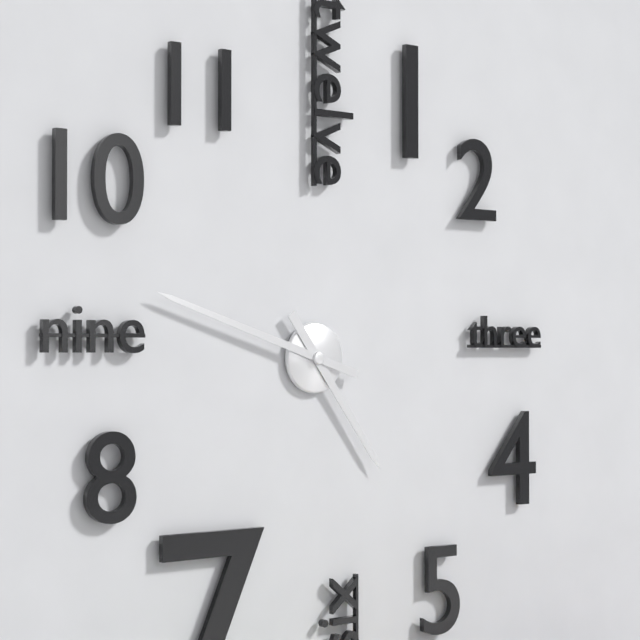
4:48
